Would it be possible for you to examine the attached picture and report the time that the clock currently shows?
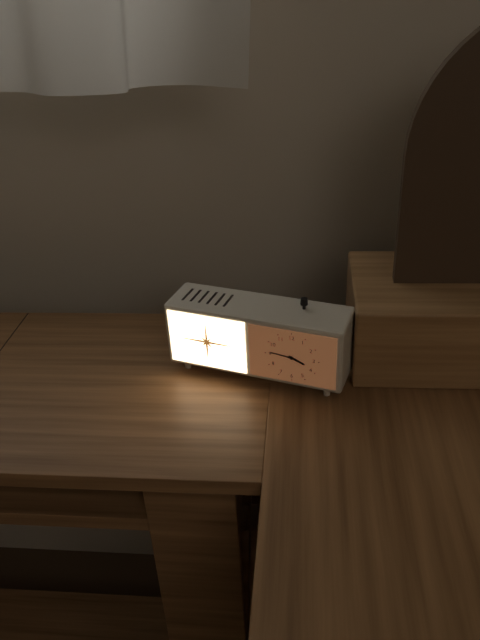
3:46
